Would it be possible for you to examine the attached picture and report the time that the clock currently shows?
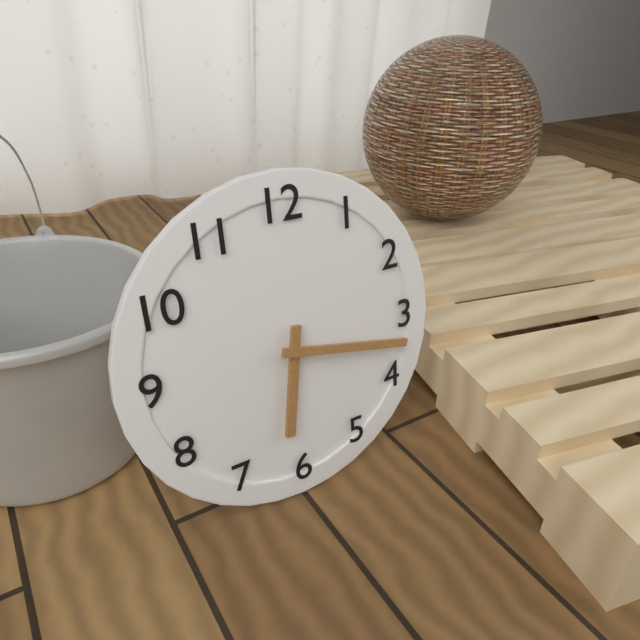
6:17
